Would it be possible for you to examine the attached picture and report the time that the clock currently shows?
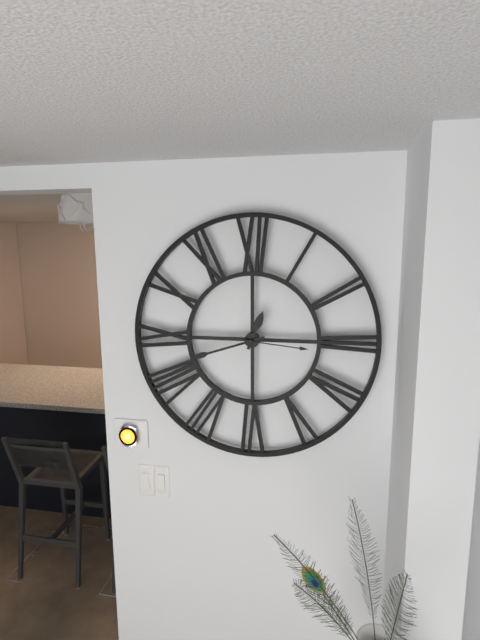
12:42:16
